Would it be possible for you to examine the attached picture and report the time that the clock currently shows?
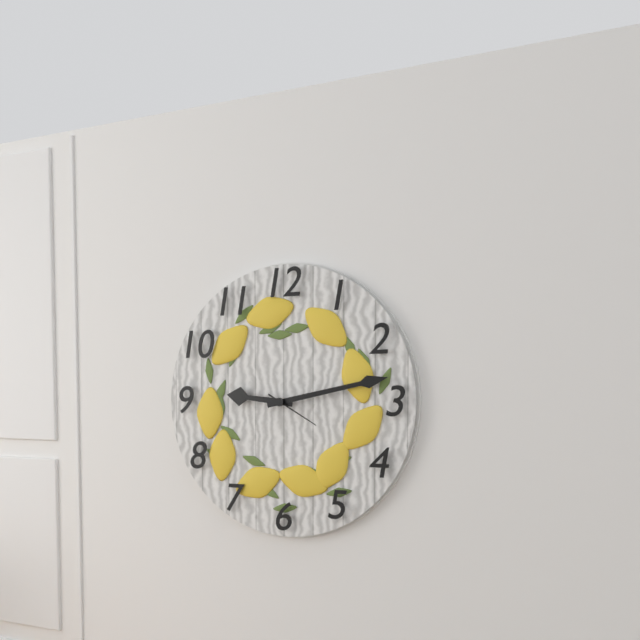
9:13:20
